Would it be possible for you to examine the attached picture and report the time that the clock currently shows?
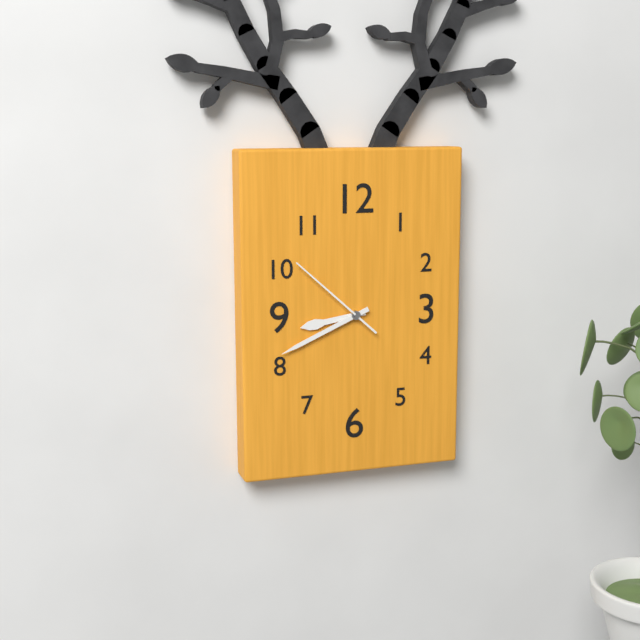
8:41:52
